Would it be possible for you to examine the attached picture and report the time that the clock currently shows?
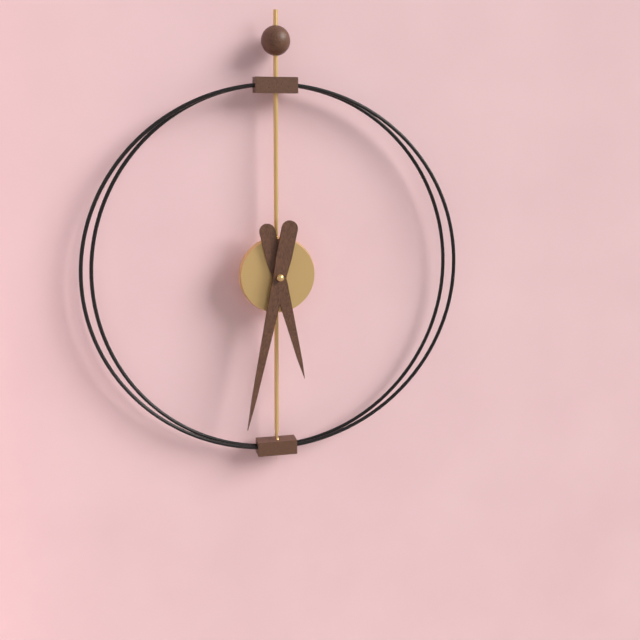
5:32
